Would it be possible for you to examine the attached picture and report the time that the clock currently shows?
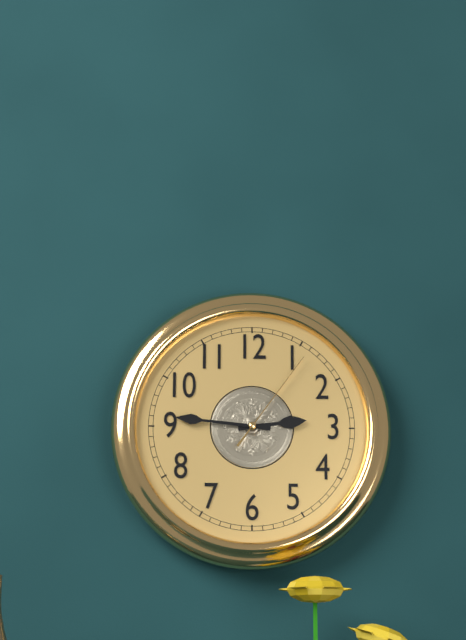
2:46:06
